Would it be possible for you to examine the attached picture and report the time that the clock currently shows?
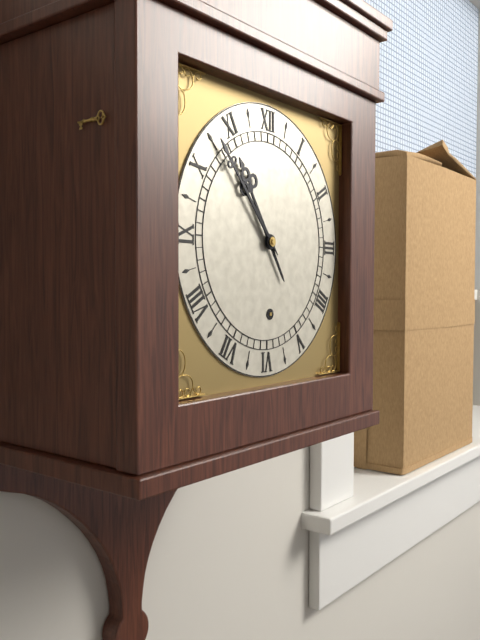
10:53
